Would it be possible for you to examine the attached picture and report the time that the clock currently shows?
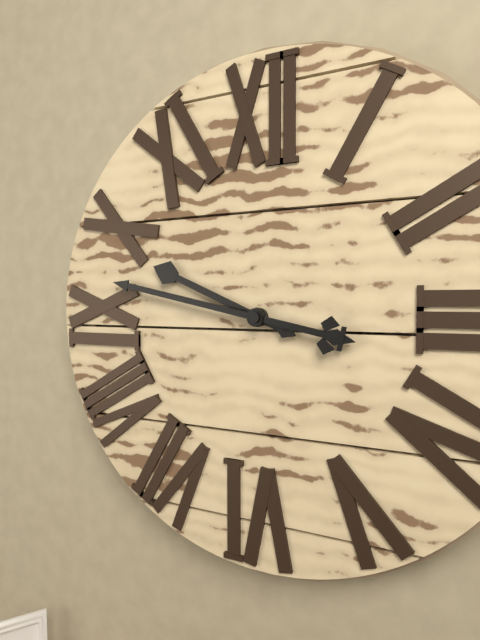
9:47
